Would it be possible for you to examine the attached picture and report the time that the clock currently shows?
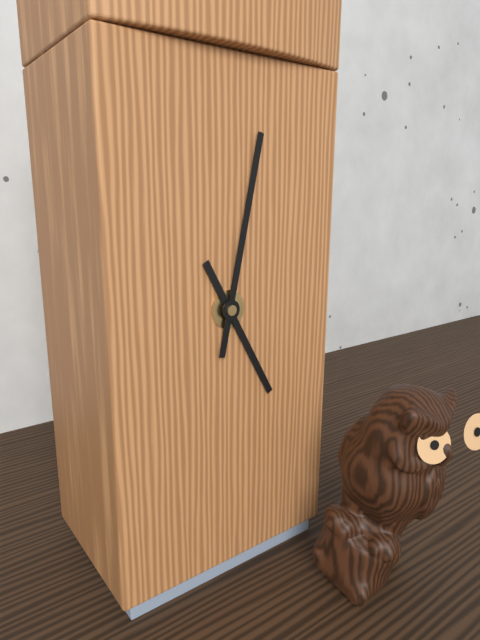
5:02
